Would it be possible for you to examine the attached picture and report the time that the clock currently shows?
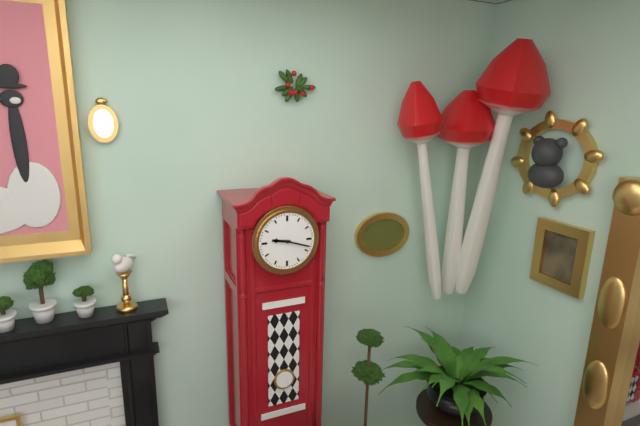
9:18
